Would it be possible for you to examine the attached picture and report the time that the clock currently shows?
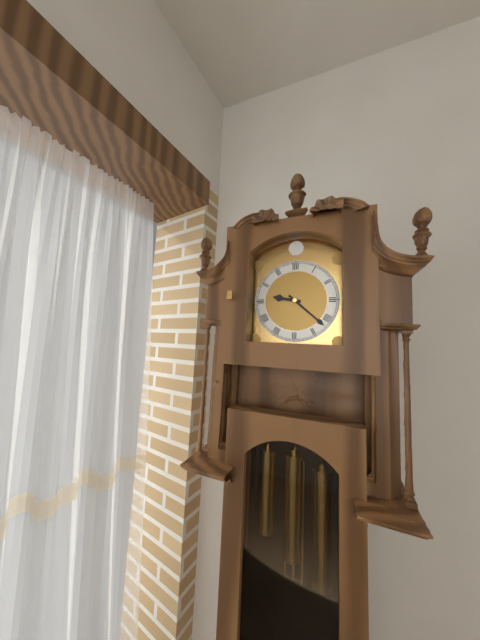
9:22
